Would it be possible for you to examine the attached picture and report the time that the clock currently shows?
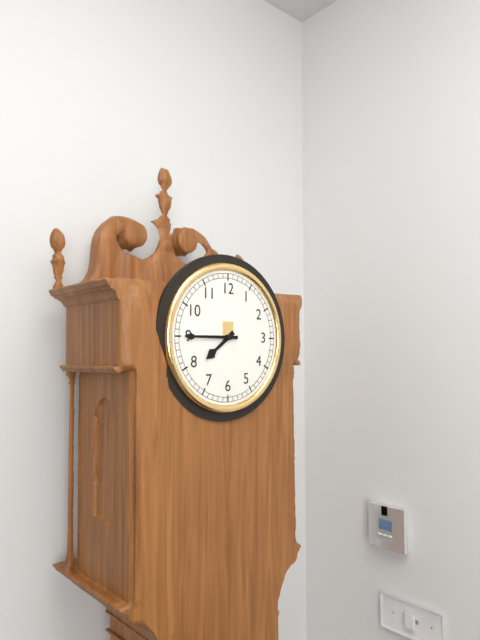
7:45
